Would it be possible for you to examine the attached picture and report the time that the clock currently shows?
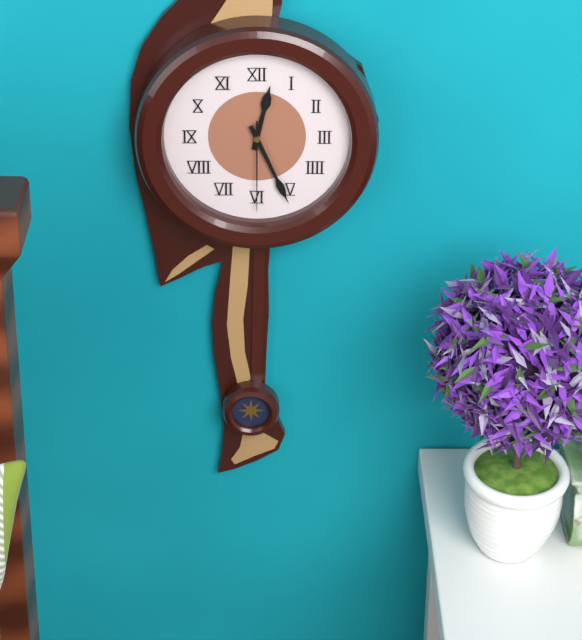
12:26:30
